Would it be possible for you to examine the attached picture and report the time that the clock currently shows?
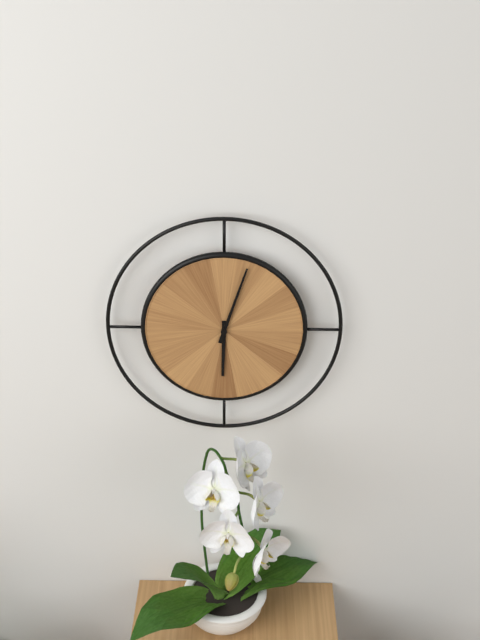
6:03
